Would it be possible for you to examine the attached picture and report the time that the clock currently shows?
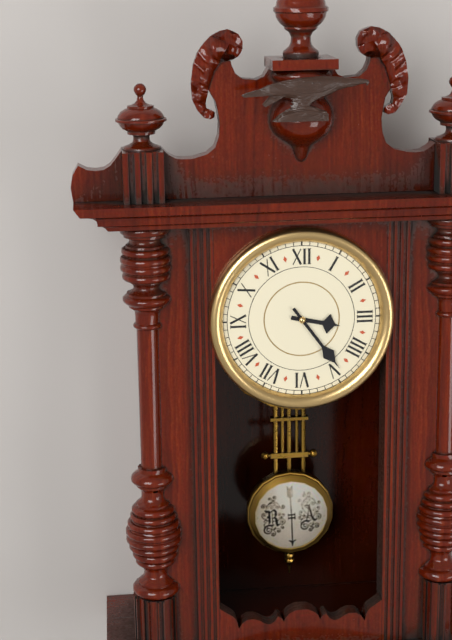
3:24
